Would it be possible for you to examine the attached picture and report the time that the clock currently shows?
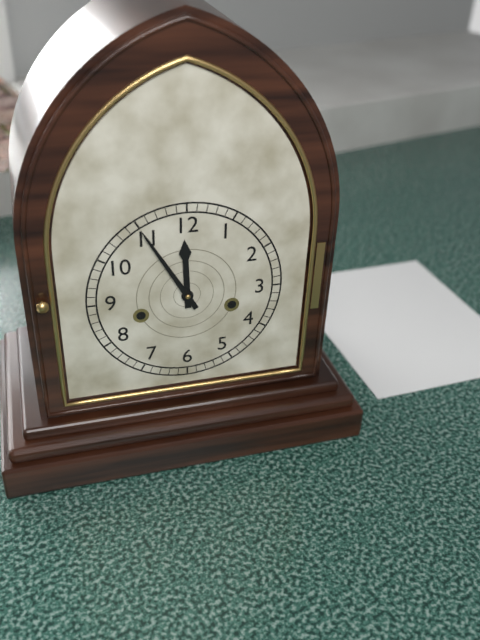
11:55
